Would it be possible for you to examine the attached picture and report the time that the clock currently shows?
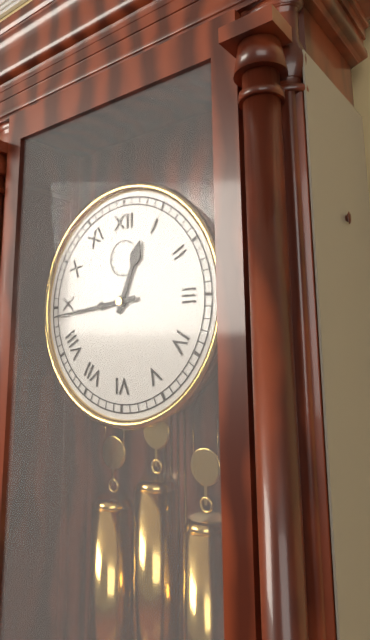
12:44
